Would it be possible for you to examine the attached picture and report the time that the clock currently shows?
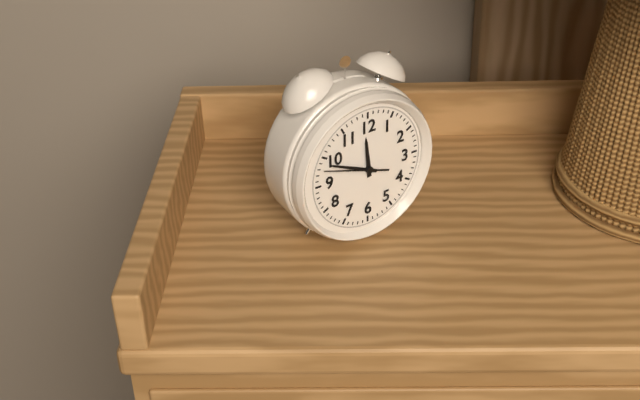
11:49:48
